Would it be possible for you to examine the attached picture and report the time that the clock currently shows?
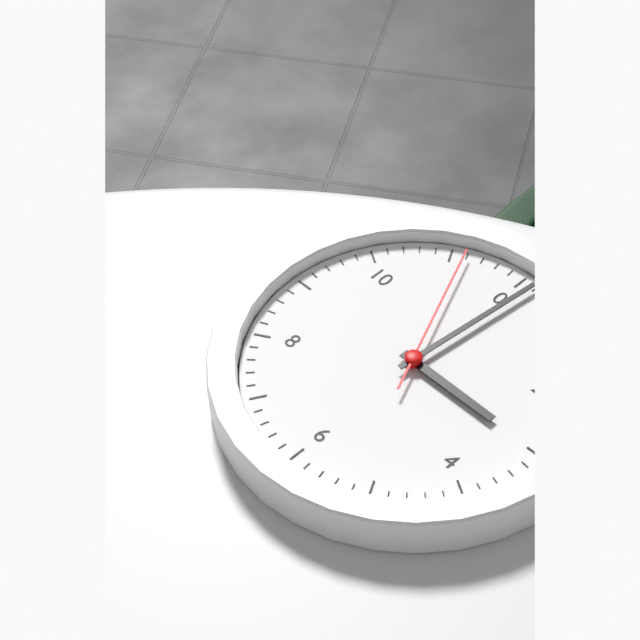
3:01:56
